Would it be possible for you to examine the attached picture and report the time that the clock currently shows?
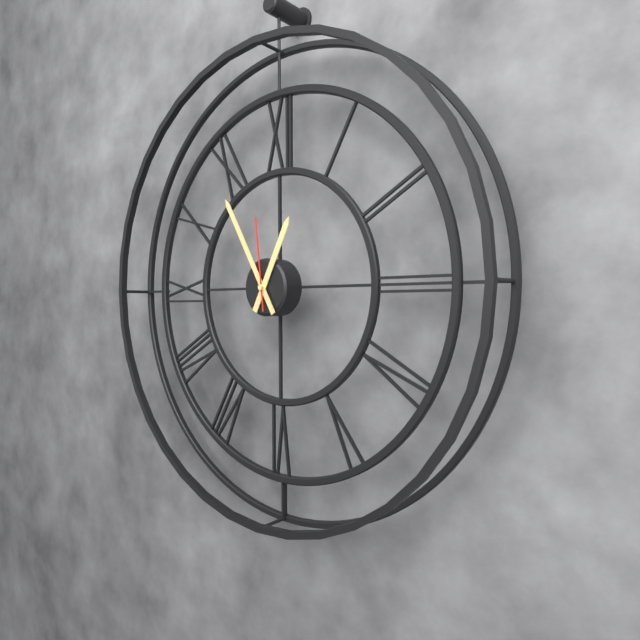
12:55:59
